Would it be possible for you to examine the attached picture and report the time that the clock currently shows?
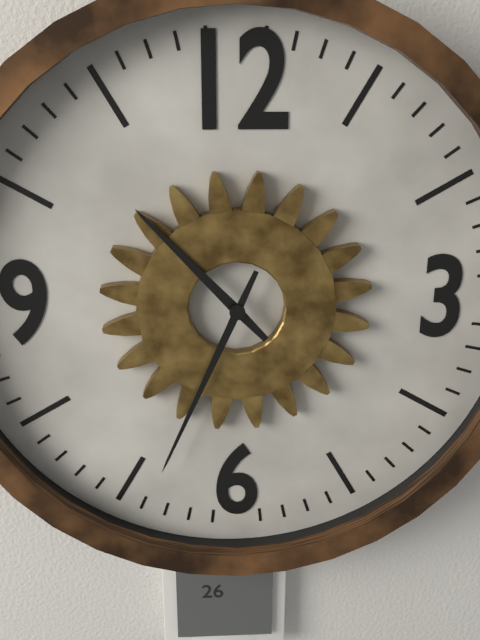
10:34
